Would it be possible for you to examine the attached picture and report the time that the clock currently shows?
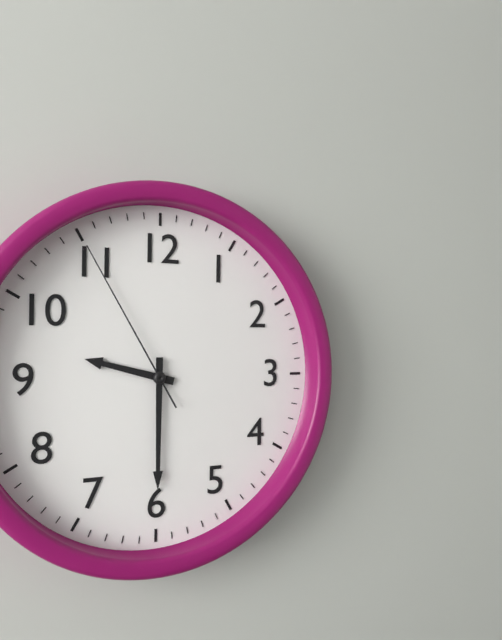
9:30:55
